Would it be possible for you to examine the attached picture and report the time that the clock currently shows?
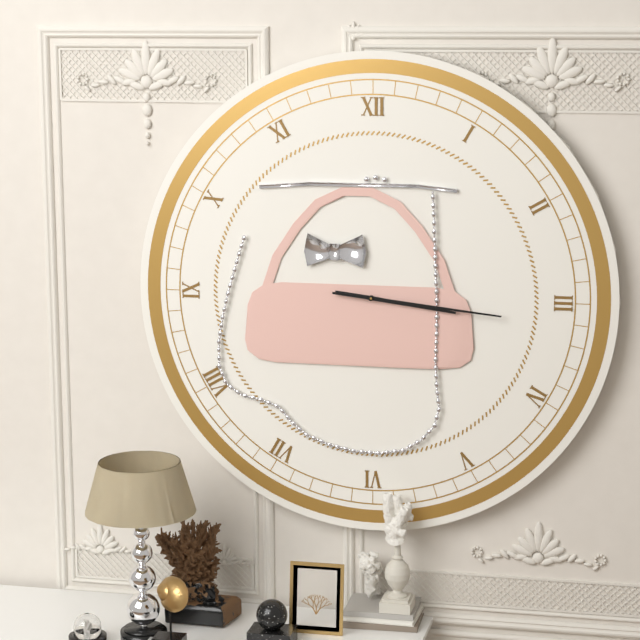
3:16
